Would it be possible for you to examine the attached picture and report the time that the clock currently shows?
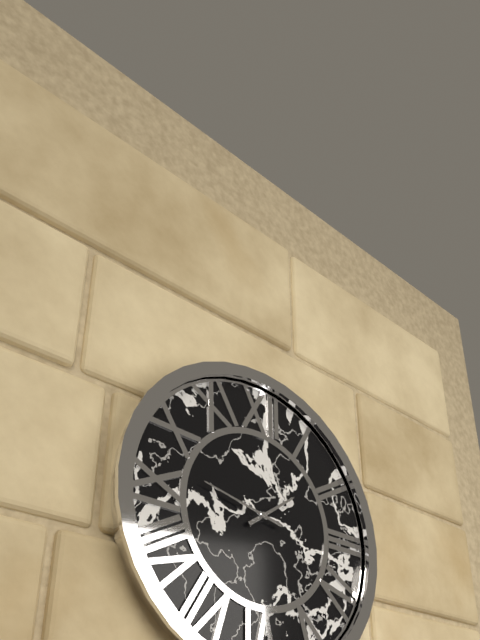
1:47
